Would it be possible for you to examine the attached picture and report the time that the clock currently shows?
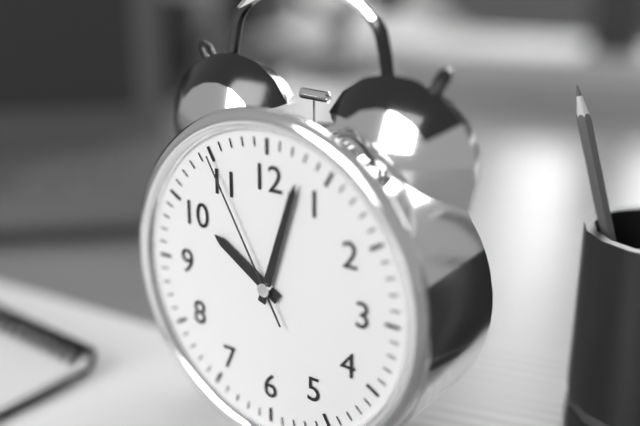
10:03:55
